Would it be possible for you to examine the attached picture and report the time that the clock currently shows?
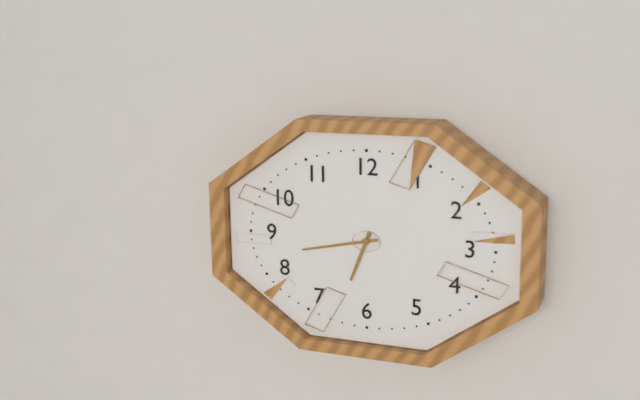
6:43
